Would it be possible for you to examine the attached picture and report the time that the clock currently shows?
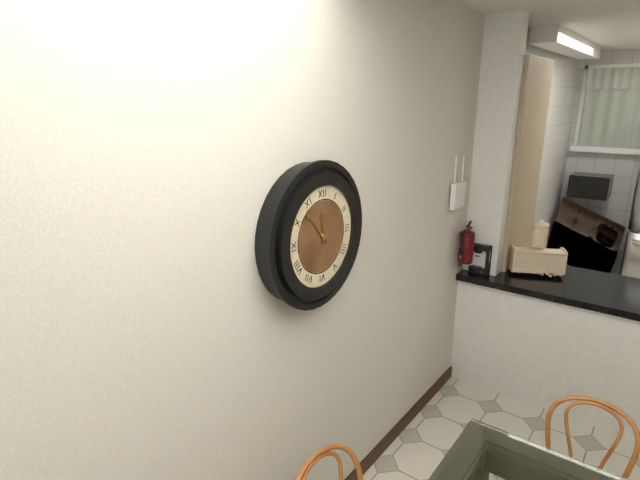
11:53
